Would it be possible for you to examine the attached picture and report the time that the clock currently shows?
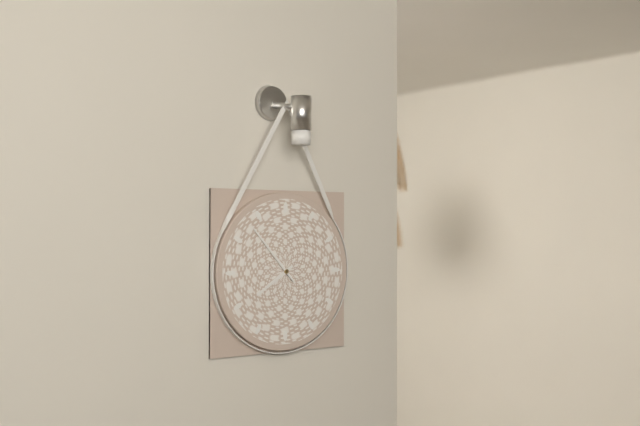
7:53
